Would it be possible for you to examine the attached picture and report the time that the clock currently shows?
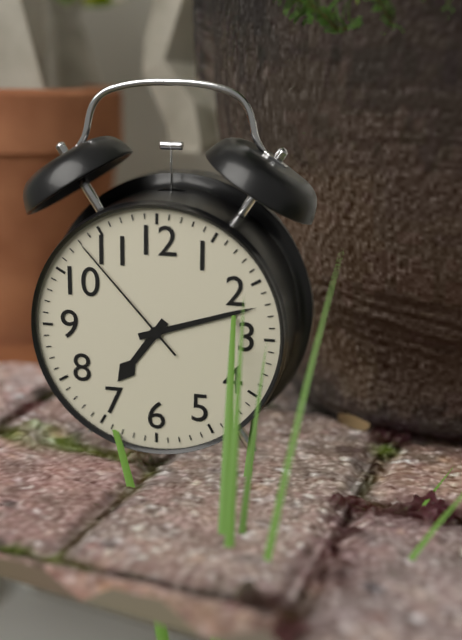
7:12:53
